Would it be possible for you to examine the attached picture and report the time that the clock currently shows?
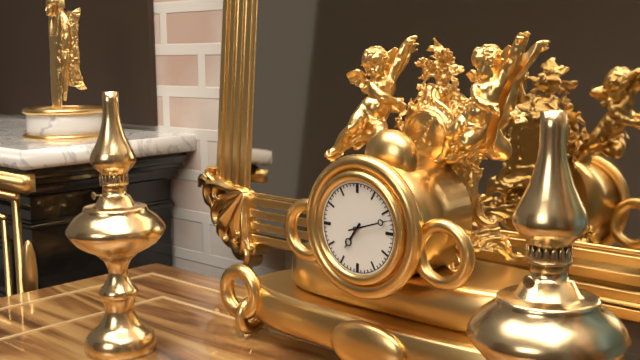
7:12
